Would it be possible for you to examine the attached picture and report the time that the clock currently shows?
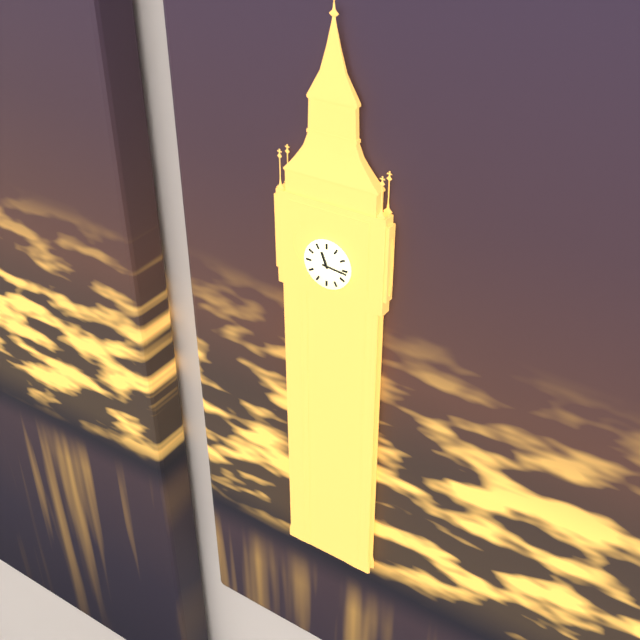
11:16
